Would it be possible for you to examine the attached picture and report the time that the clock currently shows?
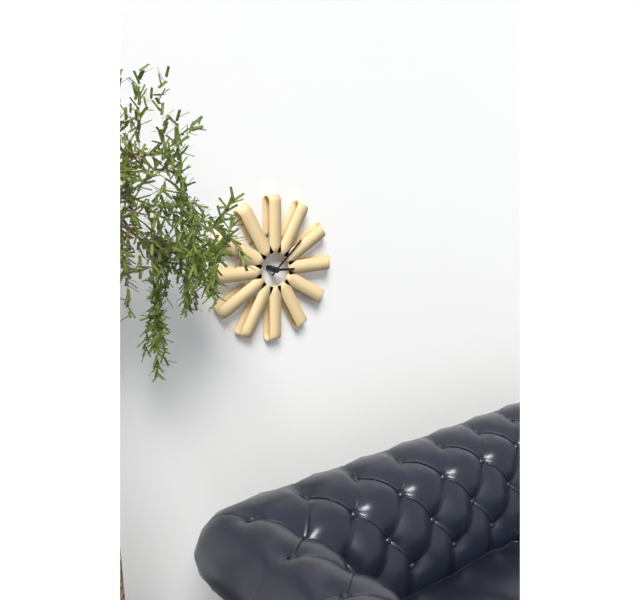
3:08
